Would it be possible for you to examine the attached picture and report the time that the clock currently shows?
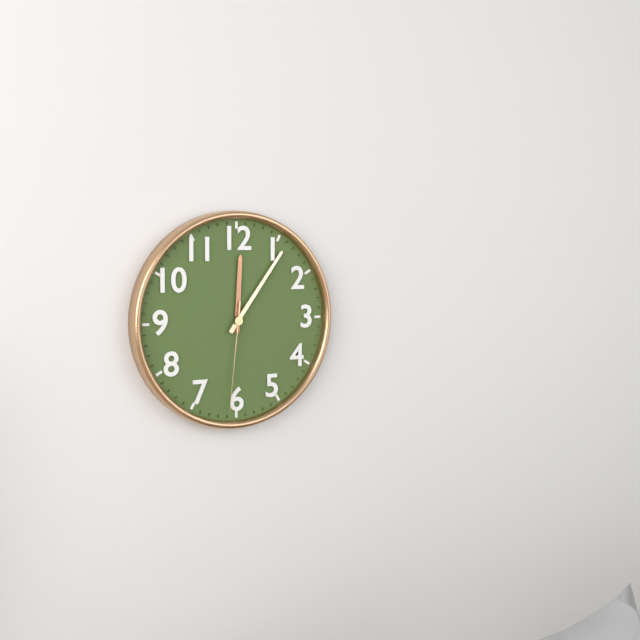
12:06:31
